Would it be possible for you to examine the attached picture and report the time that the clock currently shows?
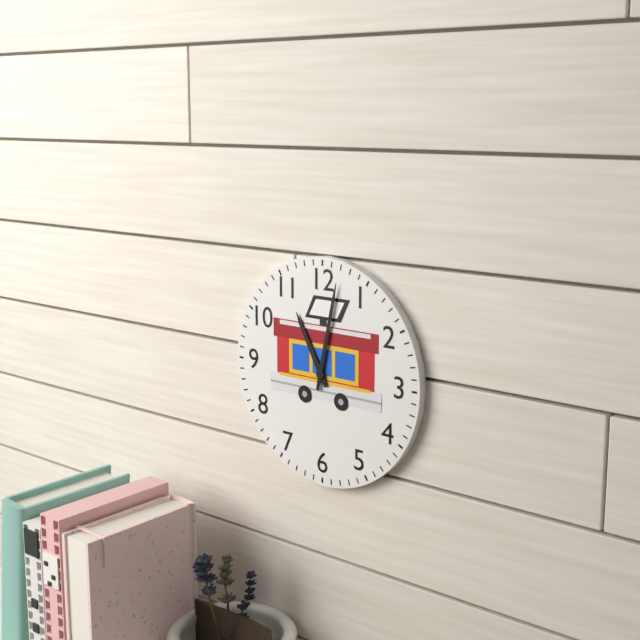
11:02
